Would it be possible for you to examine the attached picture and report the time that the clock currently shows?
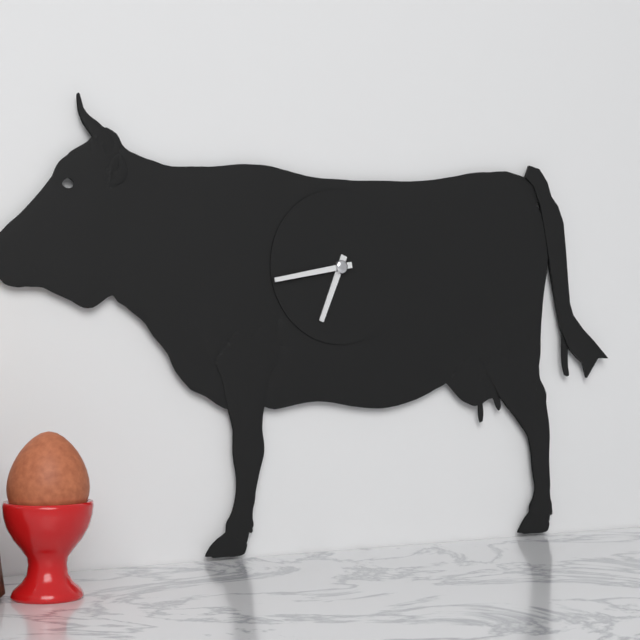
6:43
